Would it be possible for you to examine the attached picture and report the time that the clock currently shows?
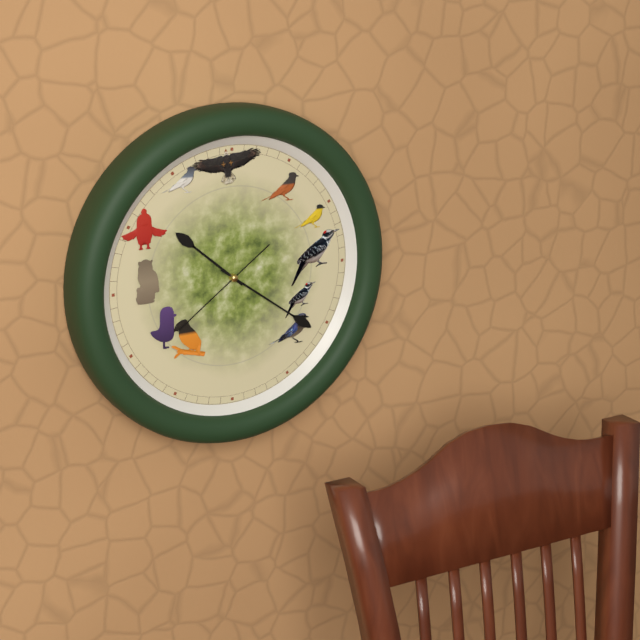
10:21:39
